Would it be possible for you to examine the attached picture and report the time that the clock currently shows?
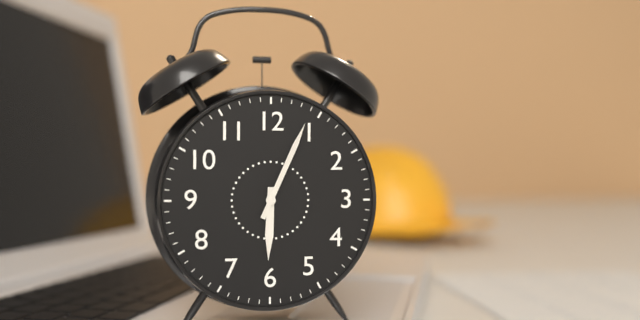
6:04
